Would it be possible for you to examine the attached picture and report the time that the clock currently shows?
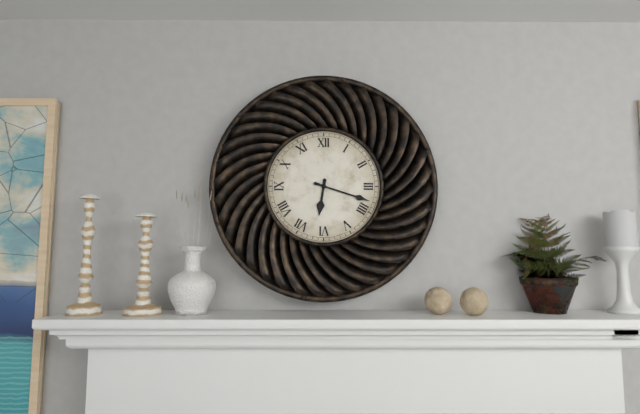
6:18
